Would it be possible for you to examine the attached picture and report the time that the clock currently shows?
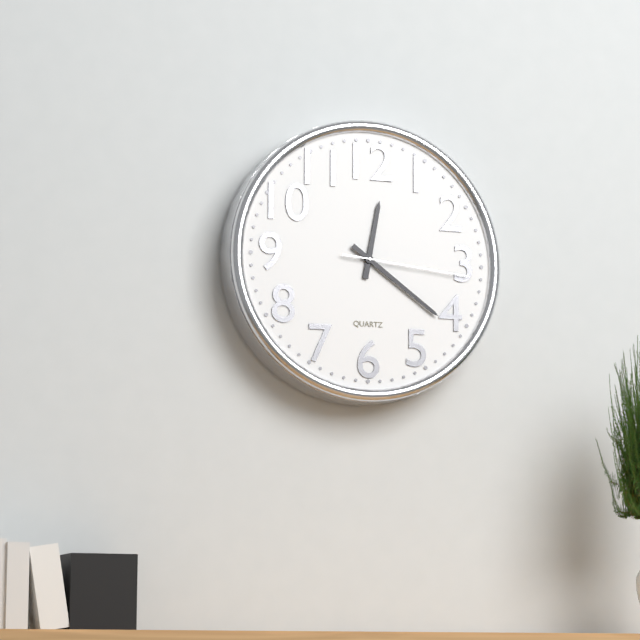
12:21:16
